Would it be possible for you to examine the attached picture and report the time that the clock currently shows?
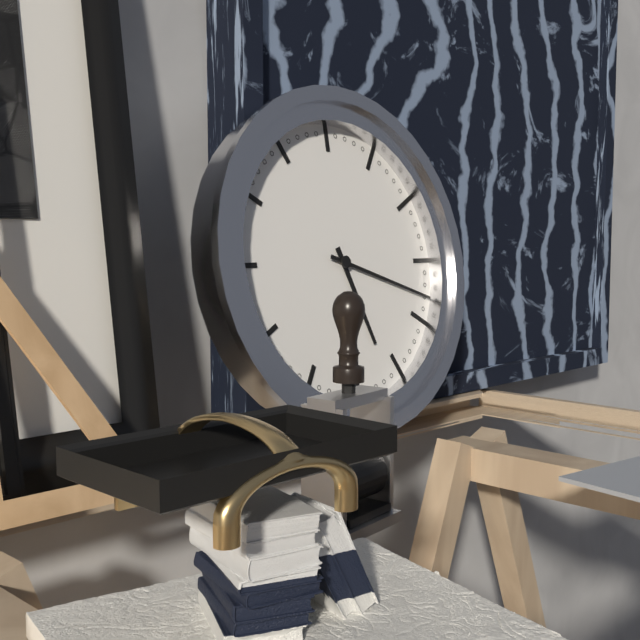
5:18
